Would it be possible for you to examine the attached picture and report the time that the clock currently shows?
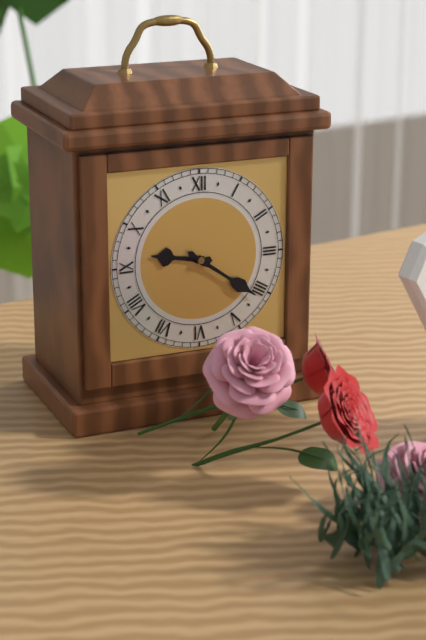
9:21
